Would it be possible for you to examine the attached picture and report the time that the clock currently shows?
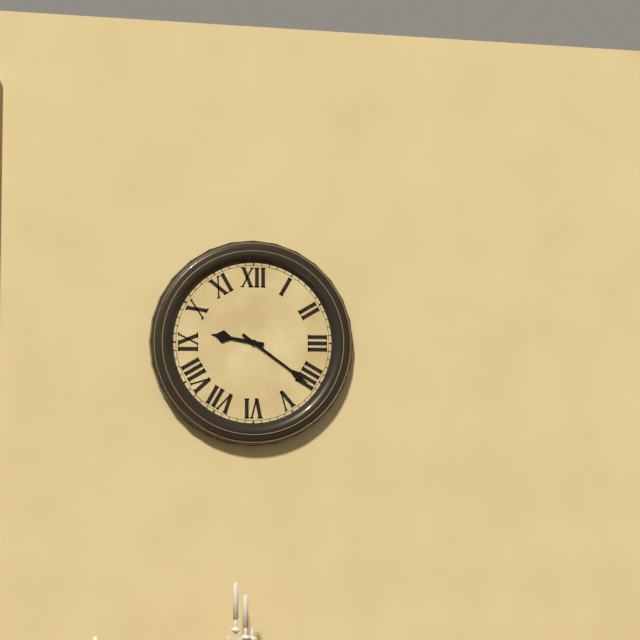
9:21
